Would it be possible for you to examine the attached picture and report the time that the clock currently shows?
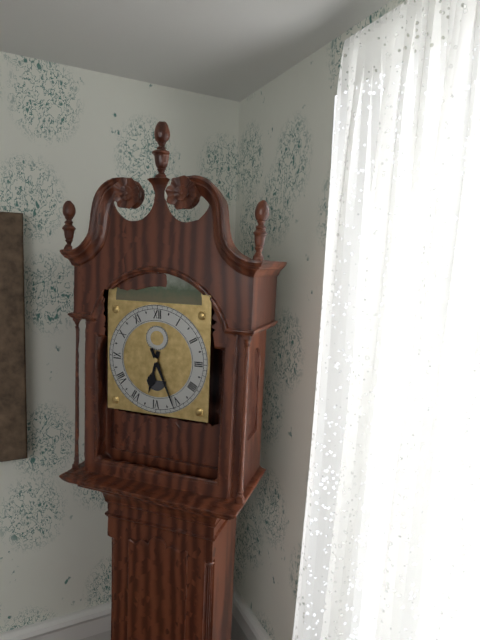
6:26
